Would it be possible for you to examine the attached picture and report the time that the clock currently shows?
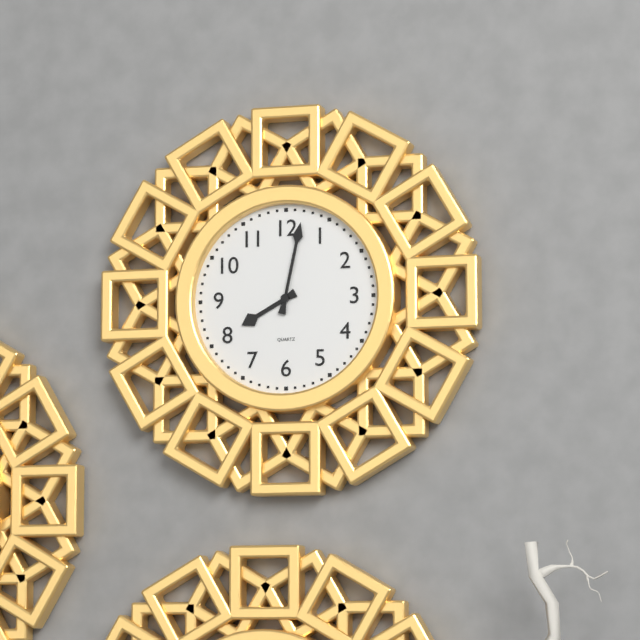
8:02
